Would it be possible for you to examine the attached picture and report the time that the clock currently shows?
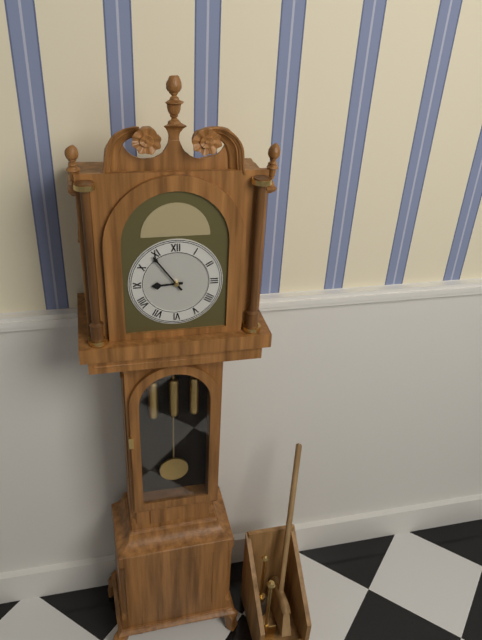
8:54
